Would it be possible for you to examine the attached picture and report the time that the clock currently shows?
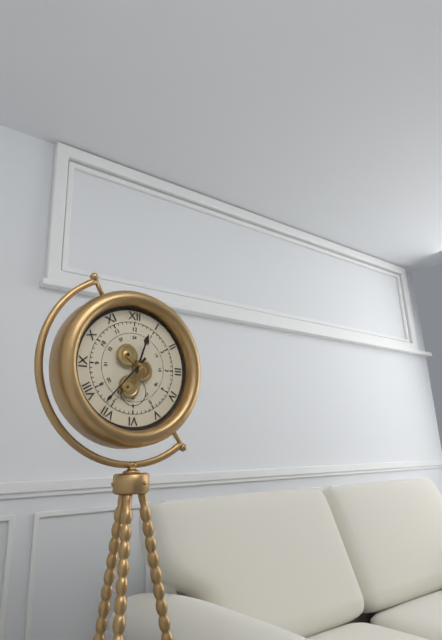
12:37
